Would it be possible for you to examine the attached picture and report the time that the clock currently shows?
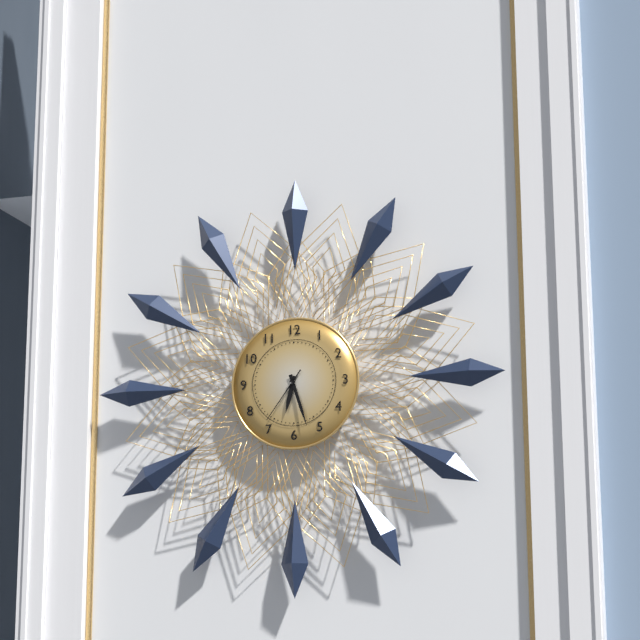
6:27:36
